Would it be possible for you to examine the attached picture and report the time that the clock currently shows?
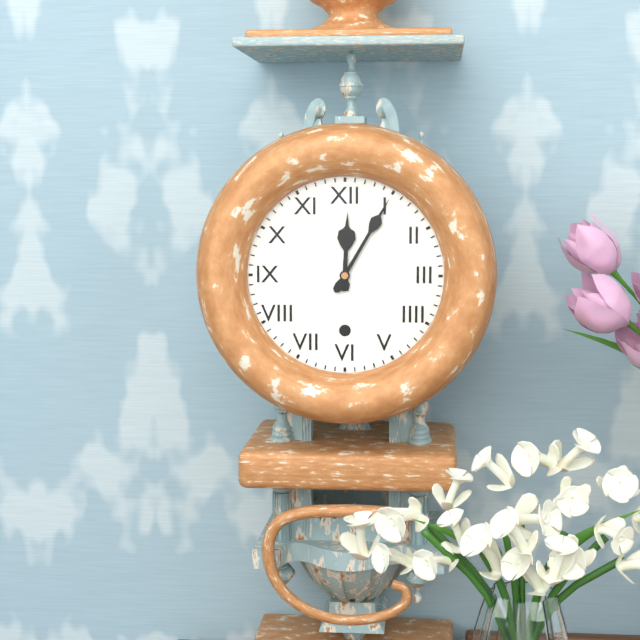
12:05
